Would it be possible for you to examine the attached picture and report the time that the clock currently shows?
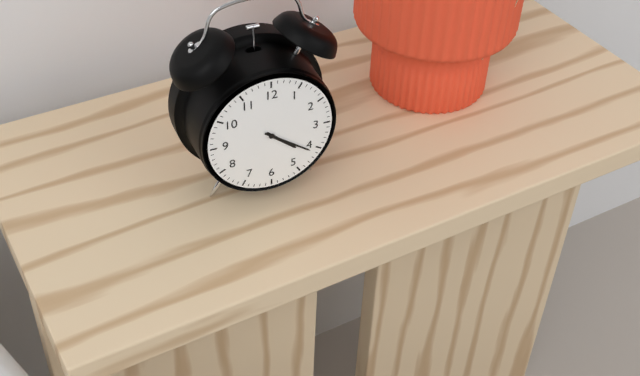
4:21
